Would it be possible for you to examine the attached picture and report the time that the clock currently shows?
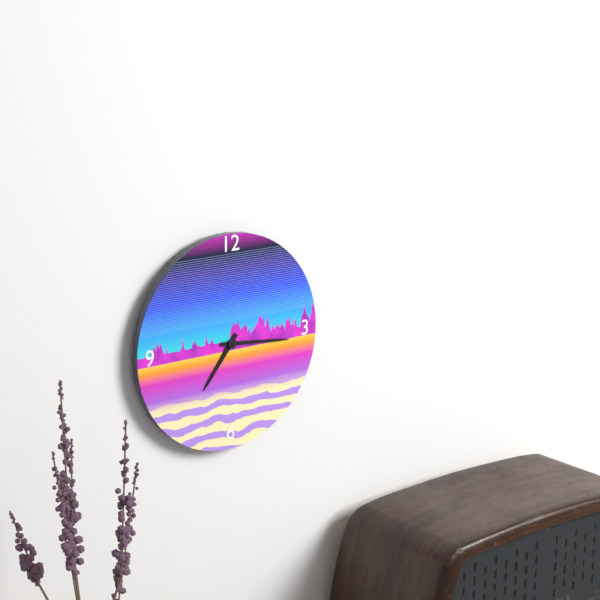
7:16
